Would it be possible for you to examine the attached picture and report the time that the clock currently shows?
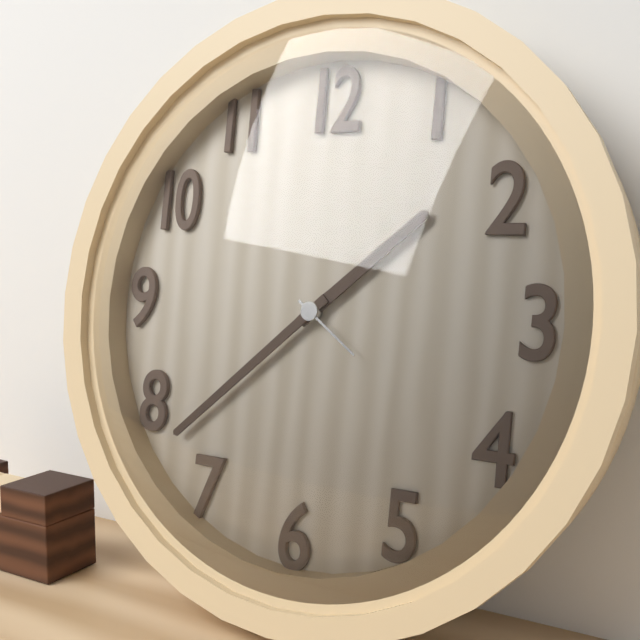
1:38:21
